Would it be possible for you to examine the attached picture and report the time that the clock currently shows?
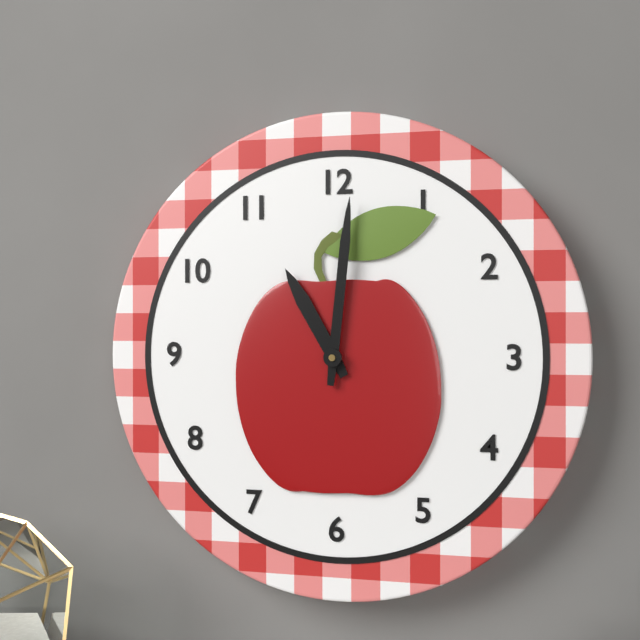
11:01
